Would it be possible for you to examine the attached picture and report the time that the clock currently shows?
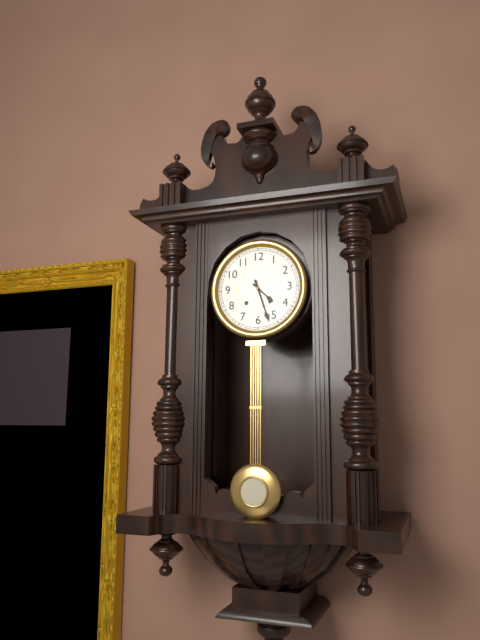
4:27
